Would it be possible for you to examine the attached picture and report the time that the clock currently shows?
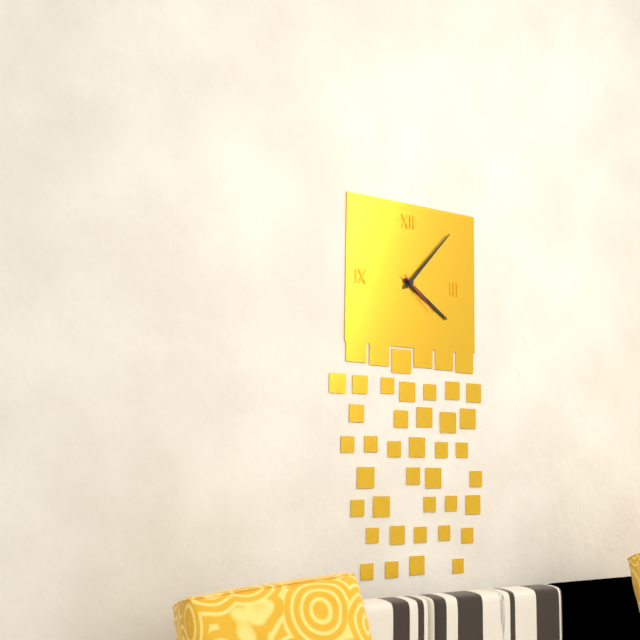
4:07
